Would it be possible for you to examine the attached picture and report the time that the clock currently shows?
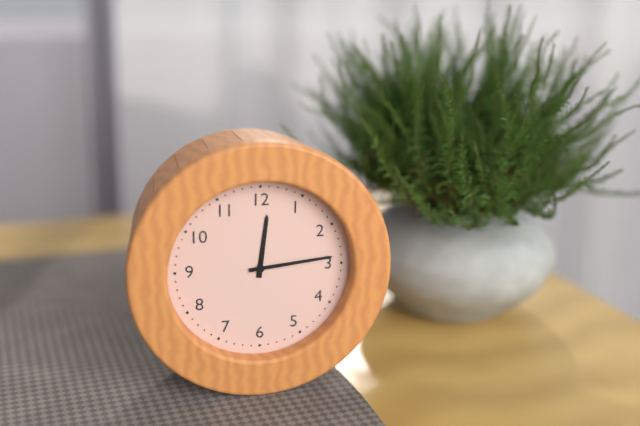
12:14
